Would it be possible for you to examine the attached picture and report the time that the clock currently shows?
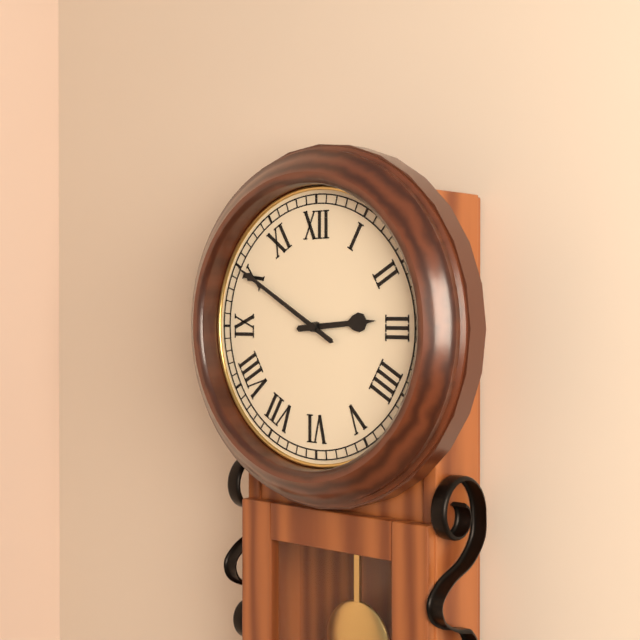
2:50
